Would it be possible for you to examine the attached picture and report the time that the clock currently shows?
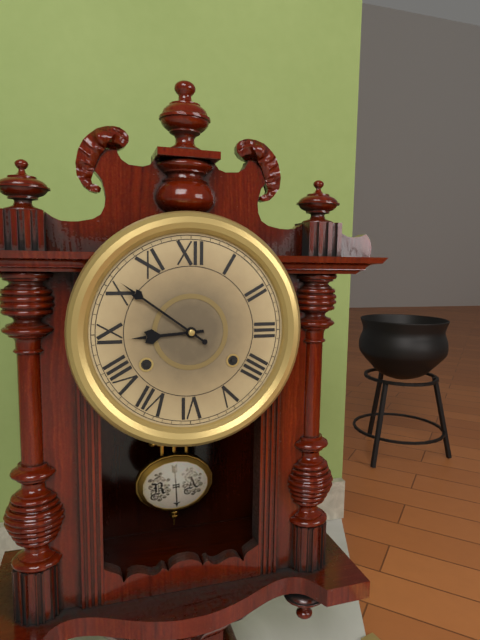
8:51
